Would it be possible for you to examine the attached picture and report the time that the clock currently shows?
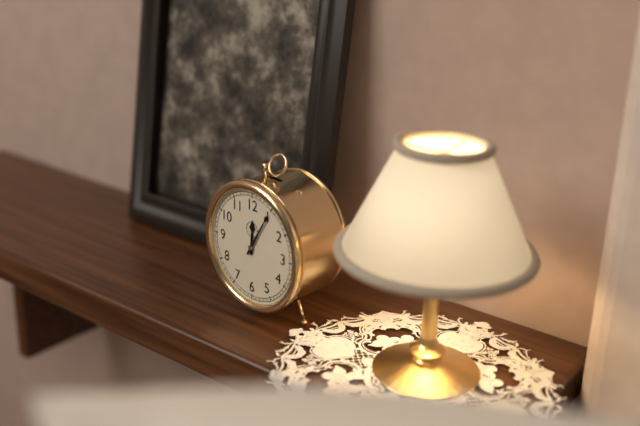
12:05
